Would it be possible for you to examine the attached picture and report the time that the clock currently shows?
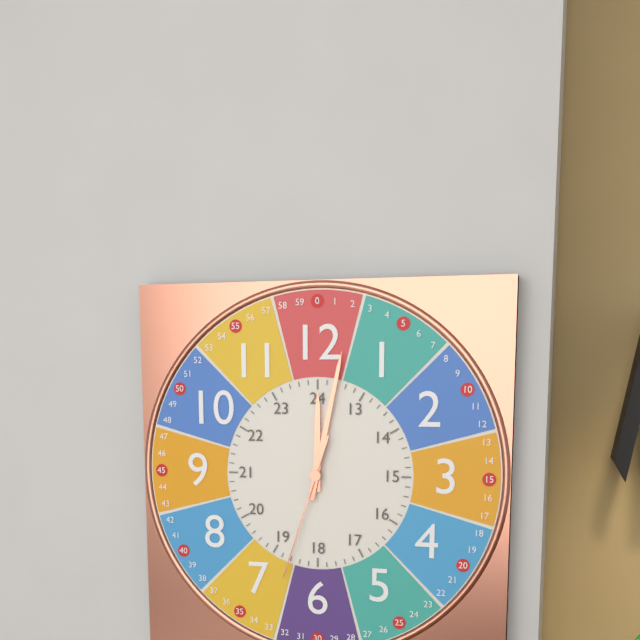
12:02:33
